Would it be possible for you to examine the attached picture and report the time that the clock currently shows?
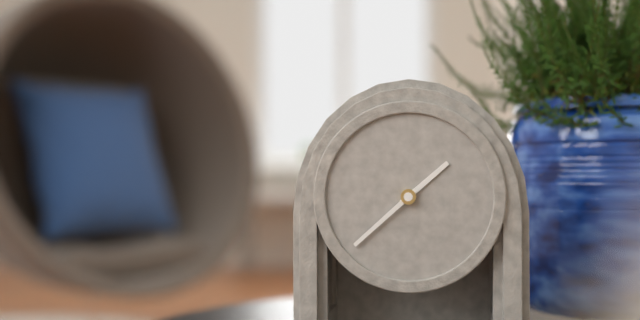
1:38
